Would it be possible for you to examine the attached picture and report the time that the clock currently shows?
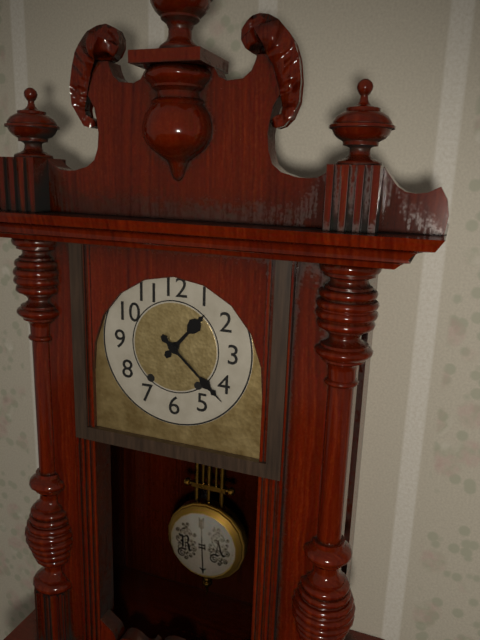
1:22
